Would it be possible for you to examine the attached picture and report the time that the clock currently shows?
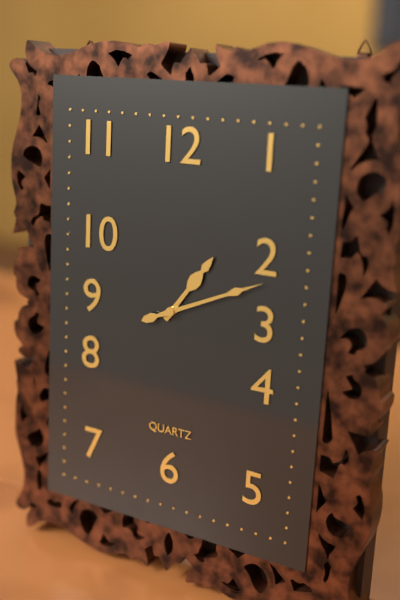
1:11
